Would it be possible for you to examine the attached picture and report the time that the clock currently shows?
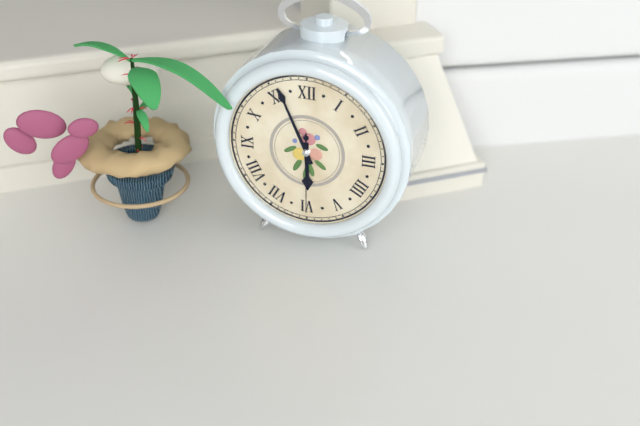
5:56:30
